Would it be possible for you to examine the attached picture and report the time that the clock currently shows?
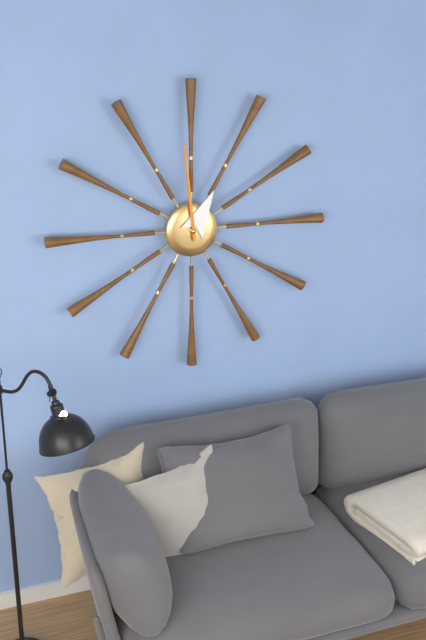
12:59
